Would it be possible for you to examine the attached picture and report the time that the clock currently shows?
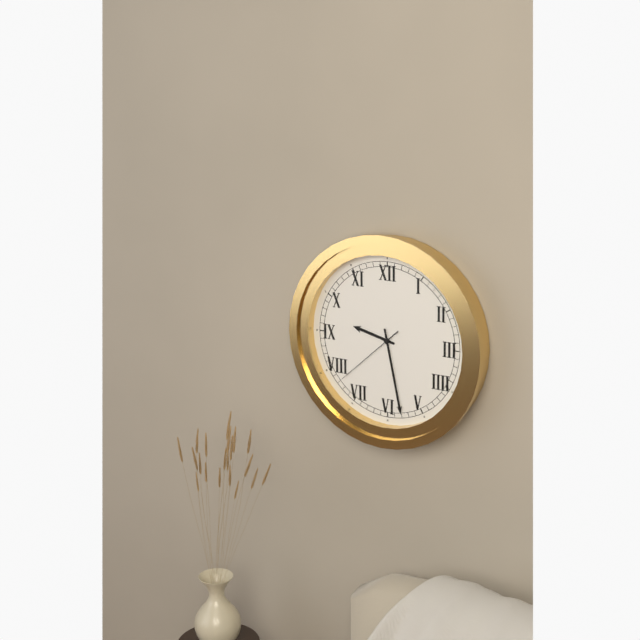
9:28:38
